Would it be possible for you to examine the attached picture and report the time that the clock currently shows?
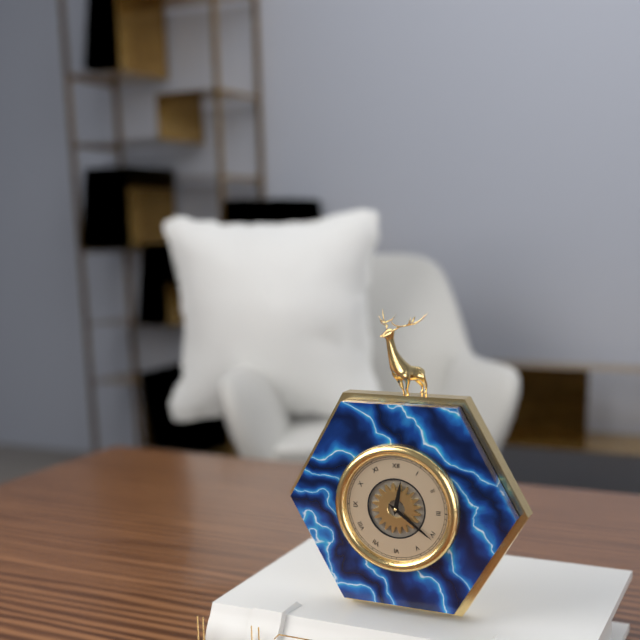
12:21
